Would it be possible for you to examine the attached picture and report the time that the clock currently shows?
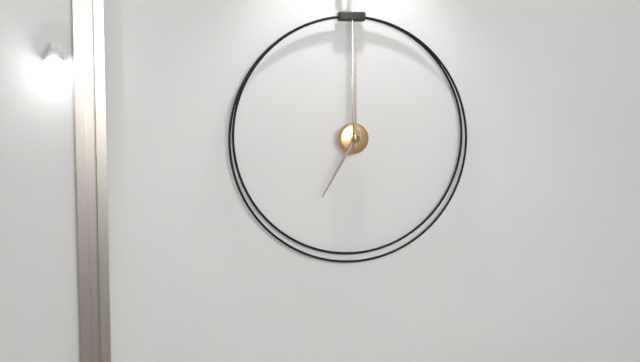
7:00
